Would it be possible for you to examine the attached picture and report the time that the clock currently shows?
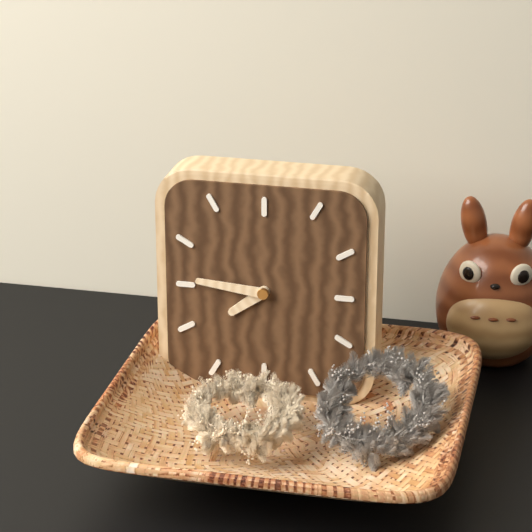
7:46
